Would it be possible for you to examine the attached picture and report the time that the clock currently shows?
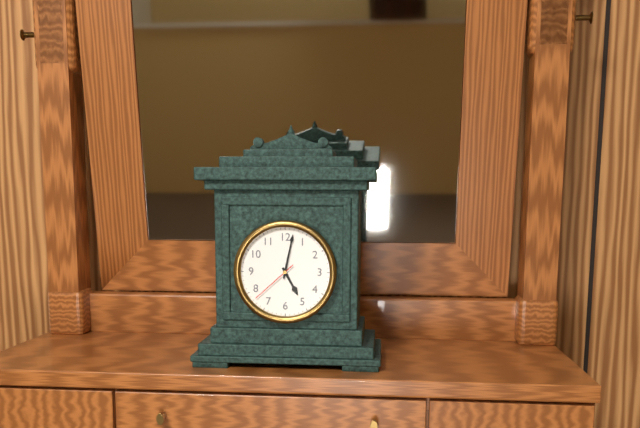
5:02
